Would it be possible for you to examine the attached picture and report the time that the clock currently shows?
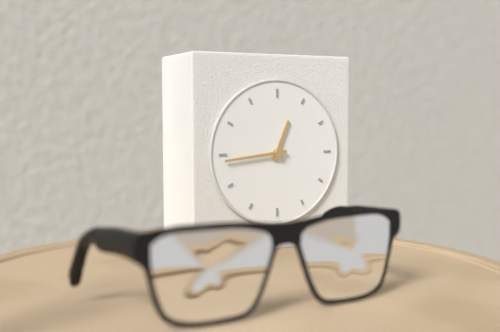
12:44
